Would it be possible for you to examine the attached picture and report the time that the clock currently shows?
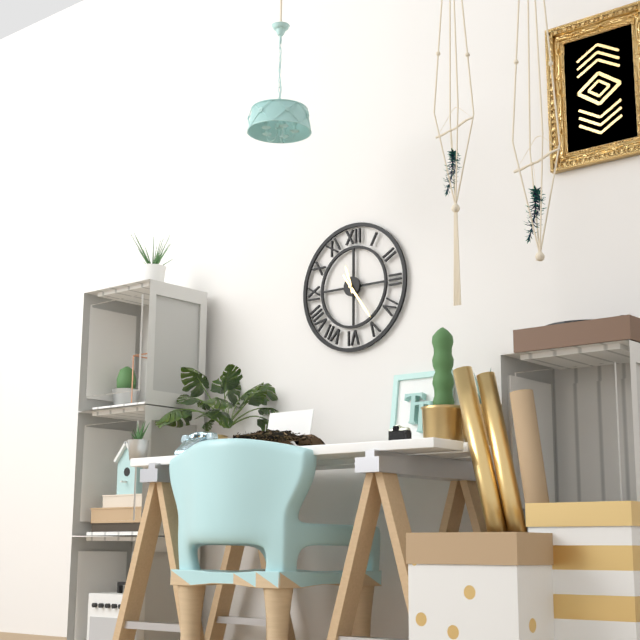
11:24
